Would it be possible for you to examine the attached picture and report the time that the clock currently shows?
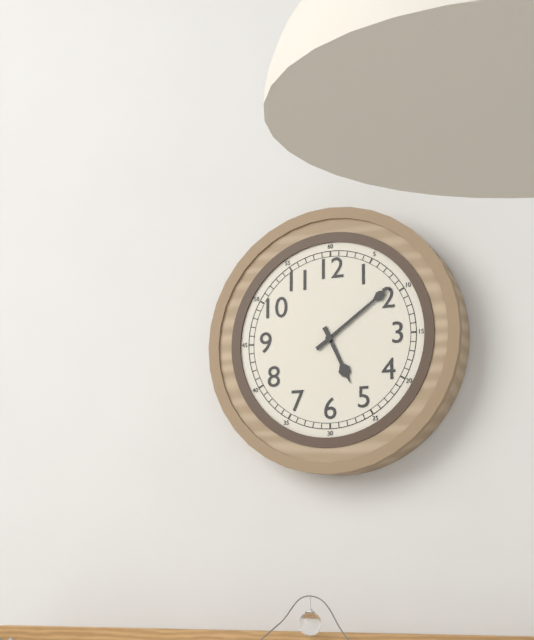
5:09
